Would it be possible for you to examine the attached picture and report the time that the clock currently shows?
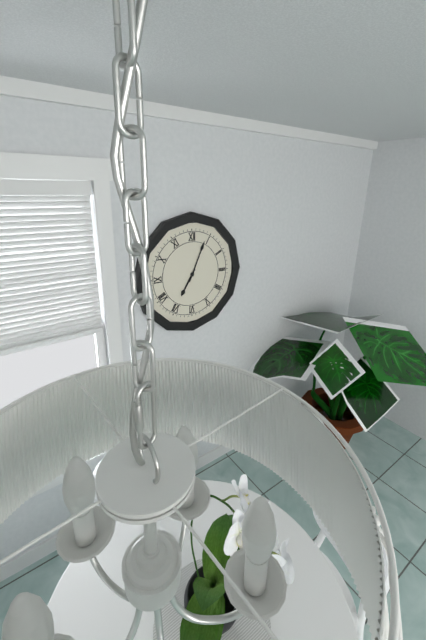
7:04
